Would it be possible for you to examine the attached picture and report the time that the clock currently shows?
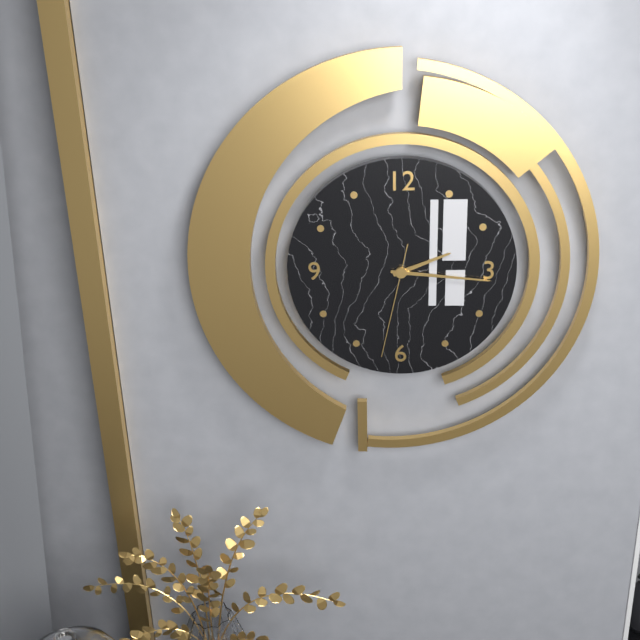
2:16:32
